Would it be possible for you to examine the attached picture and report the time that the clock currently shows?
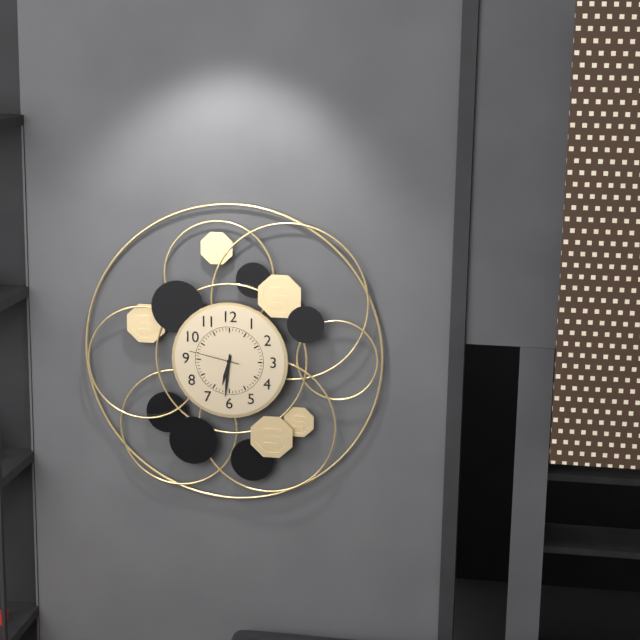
6:31:47
